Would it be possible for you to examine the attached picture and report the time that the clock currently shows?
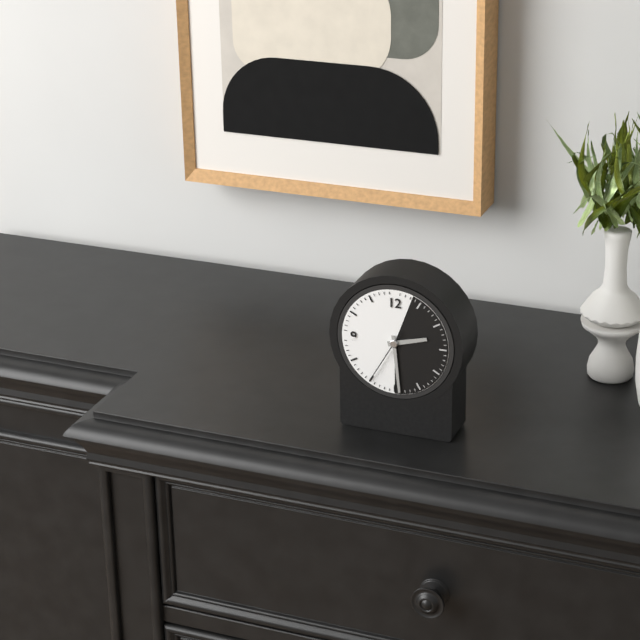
2:29:35
